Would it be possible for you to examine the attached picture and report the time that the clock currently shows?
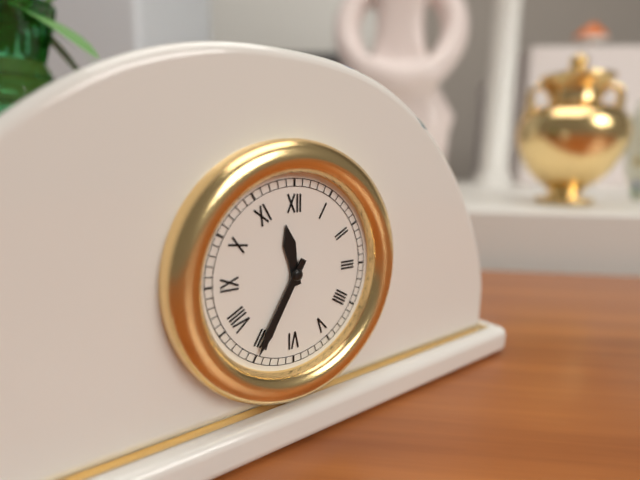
11:35
